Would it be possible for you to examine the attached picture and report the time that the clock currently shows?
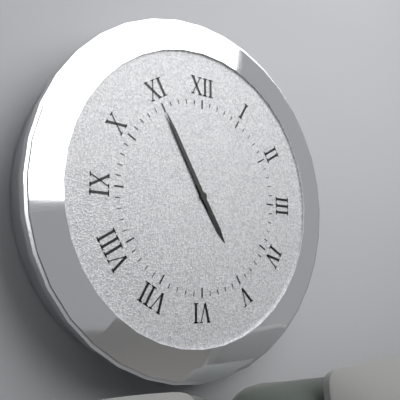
4:55
